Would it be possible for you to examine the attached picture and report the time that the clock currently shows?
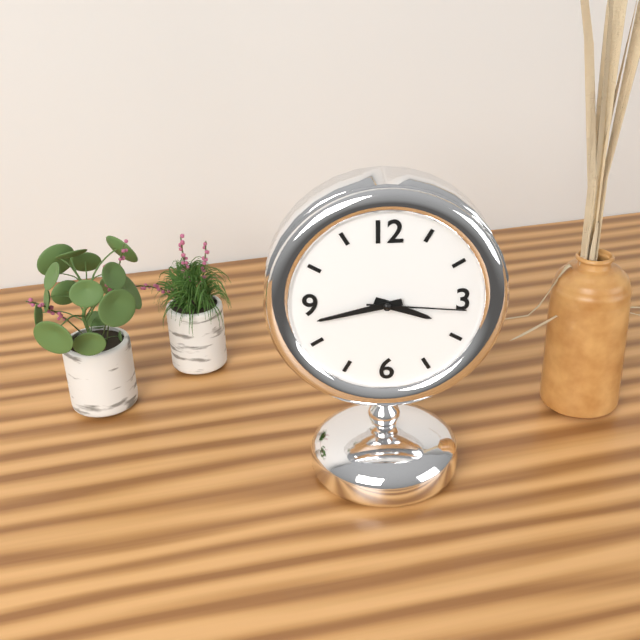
3:43:16
